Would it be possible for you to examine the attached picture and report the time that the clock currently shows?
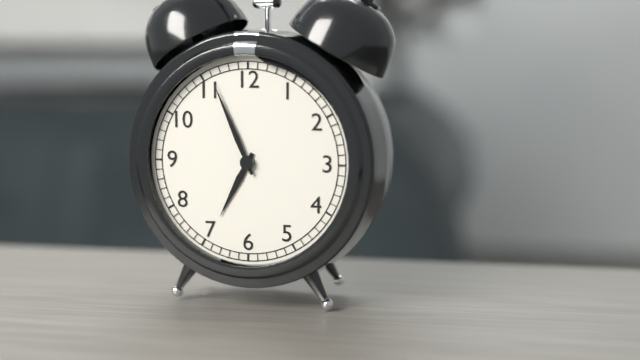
6:56
